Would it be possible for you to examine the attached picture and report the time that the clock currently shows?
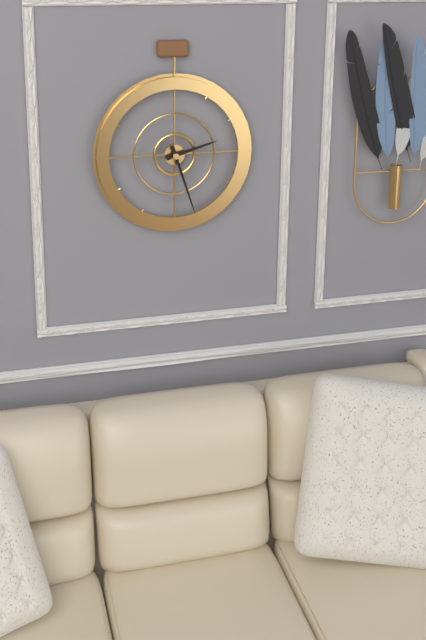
2:27
